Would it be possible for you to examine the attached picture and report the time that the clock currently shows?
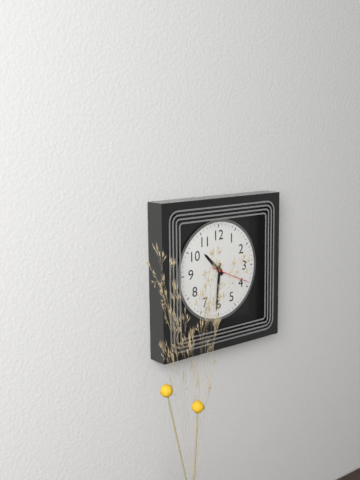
10:31
